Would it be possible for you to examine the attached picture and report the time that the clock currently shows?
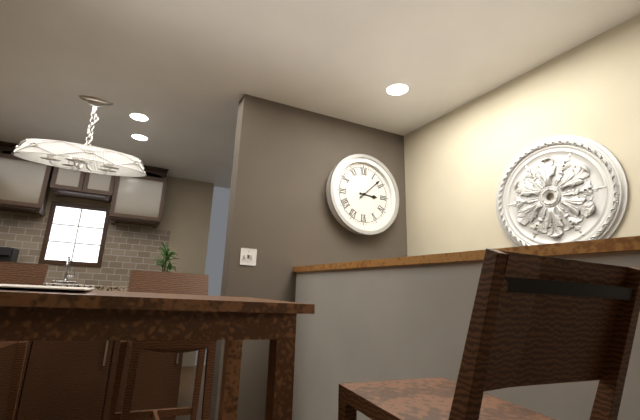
3:08
